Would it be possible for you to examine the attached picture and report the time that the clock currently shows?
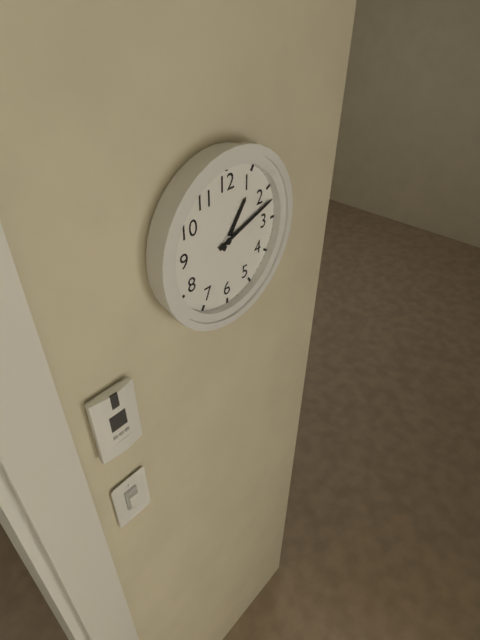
1:12
